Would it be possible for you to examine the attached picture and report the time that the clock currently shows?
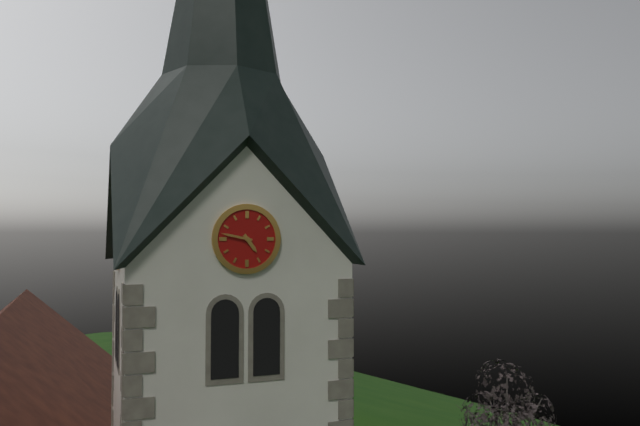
4:47
